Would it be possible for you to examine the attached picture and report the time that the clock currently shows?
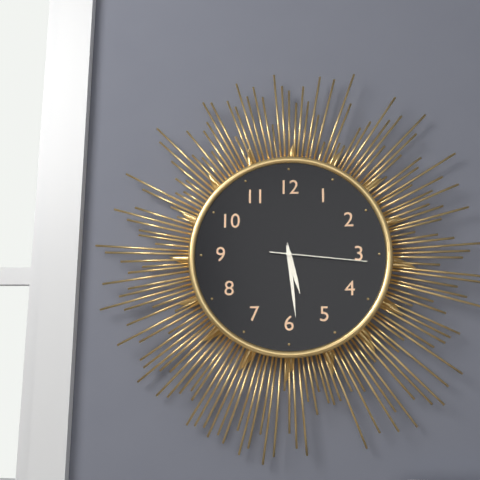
5:29:16
